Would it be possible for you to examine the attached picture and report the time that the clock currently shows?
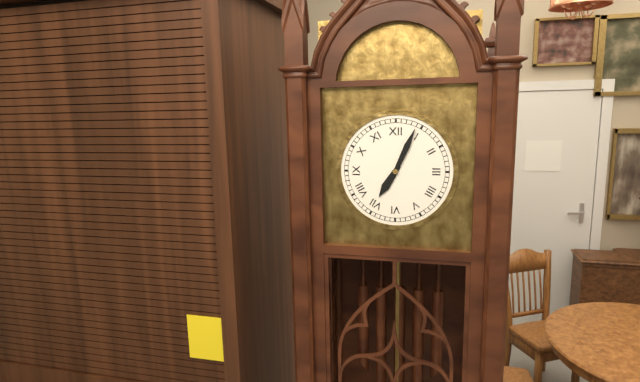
7:04
